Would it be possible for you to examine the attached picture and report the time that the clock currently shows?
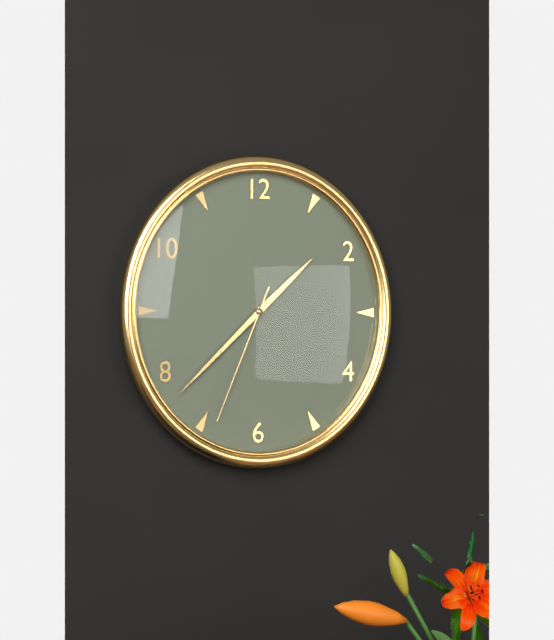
1:38:34
